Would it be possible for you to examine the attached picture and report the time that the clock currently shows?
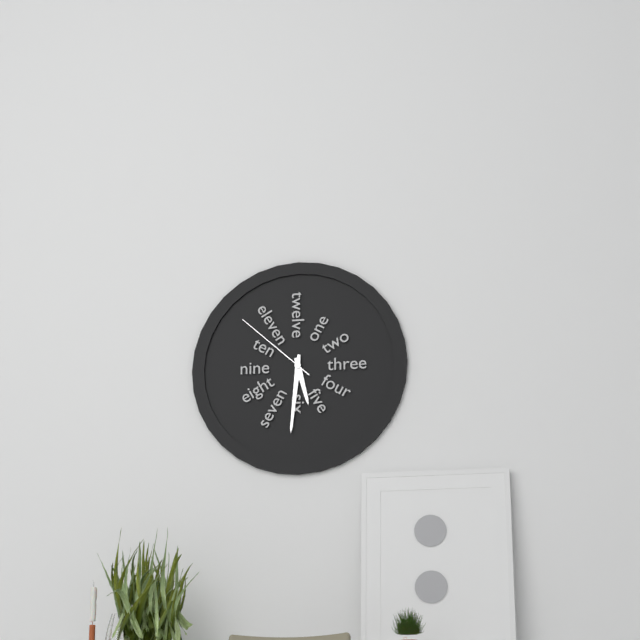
5:31:52
